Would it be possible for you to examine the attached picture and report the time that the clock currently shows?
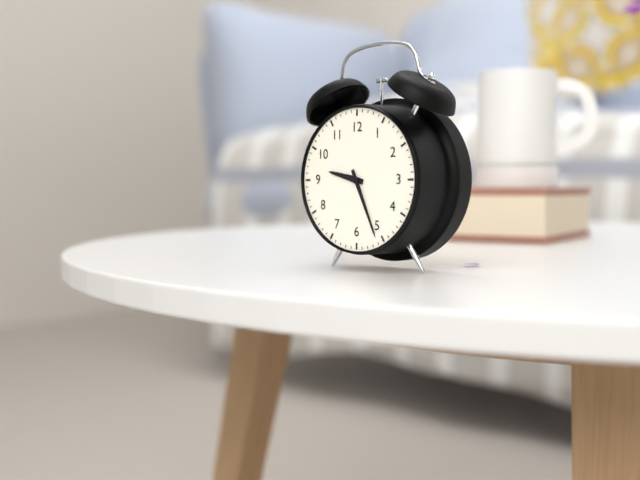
9:26
